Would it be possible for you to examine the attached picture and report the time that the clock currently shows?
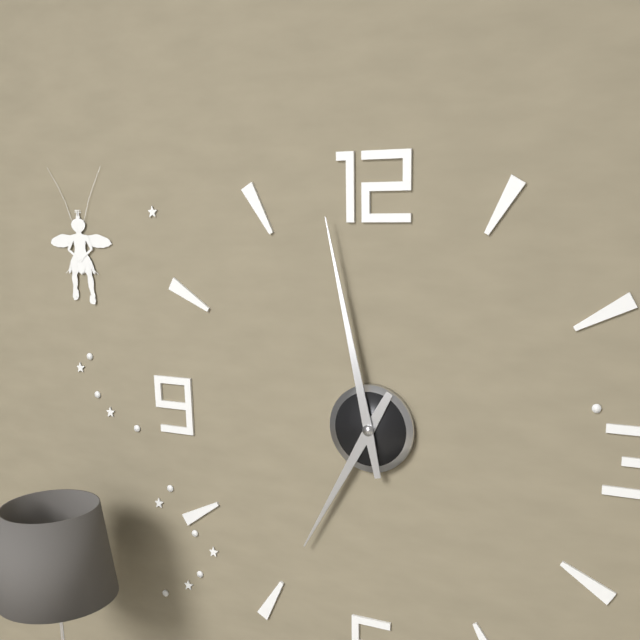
6:58
